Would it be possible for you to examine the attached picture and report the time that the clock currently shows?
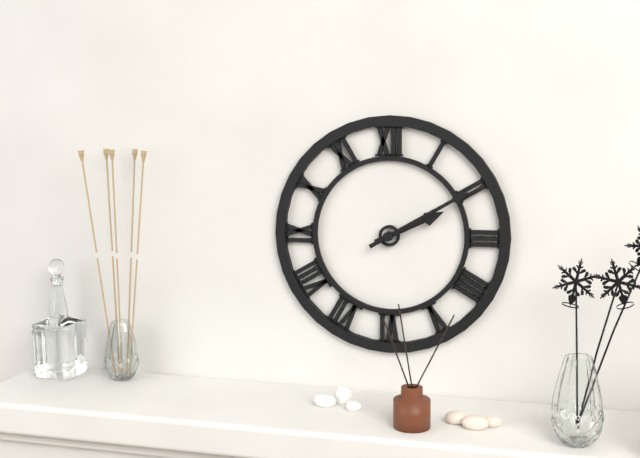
2:10
